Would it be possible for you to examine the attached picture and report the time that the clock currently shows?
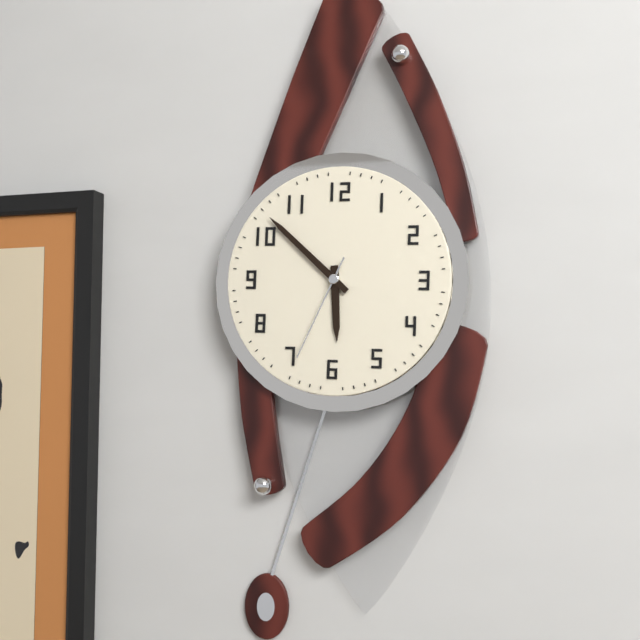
5:52:34
